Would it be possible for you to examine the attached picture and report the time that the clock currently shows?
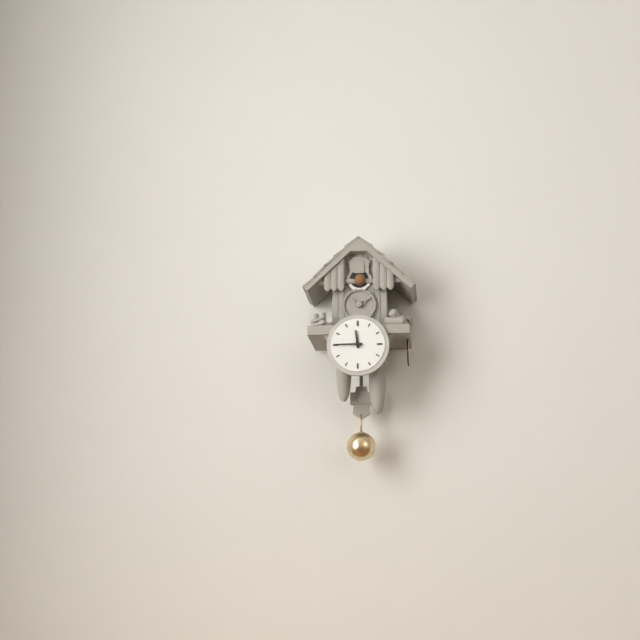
11:45
